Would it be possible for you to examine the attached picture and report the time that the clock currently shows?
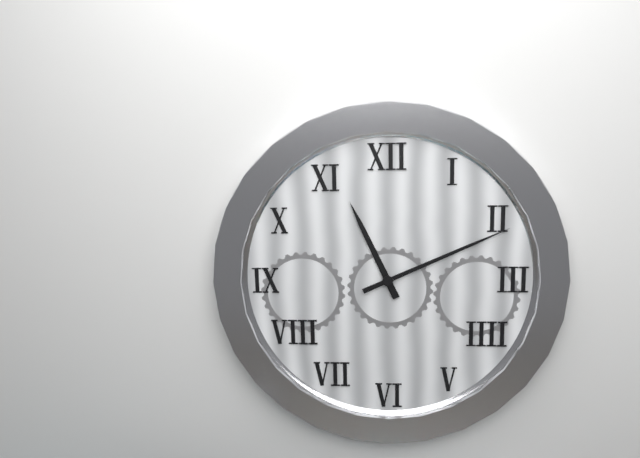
11:11
